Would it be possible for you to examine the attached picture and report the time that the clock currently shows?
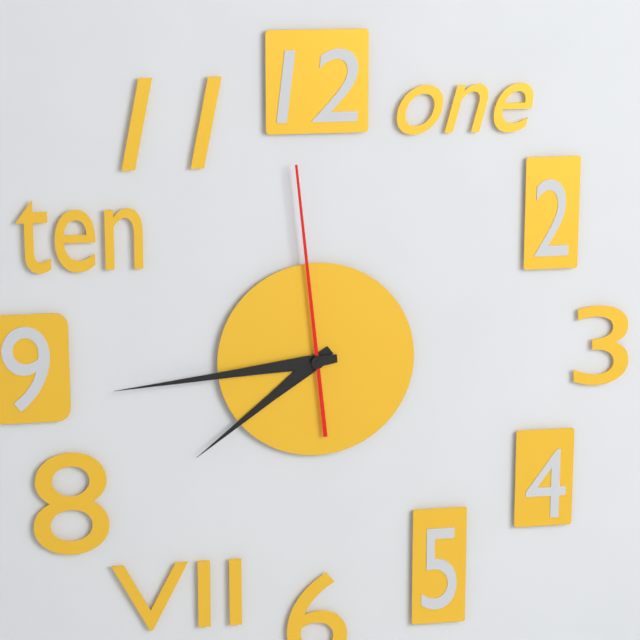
7:44:59
